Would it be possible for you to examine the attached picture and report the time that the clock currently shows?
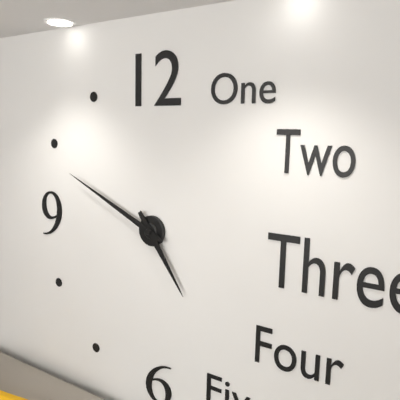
4:49
